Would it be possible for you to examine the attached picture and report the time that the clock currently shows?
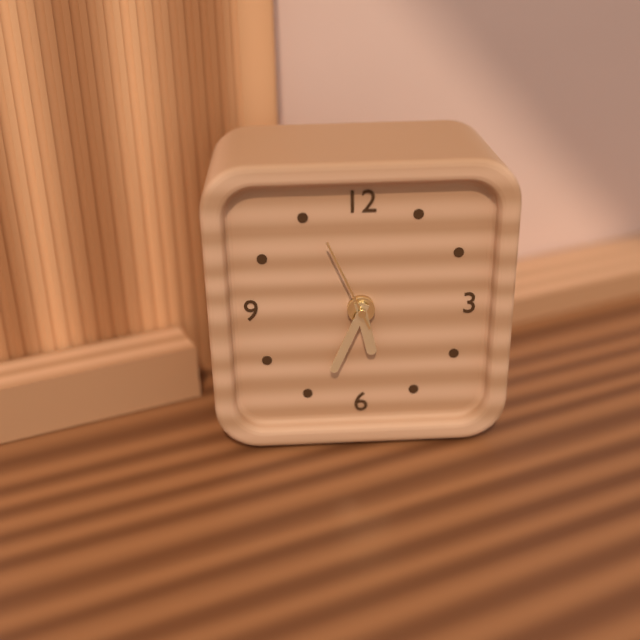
5:34:56
